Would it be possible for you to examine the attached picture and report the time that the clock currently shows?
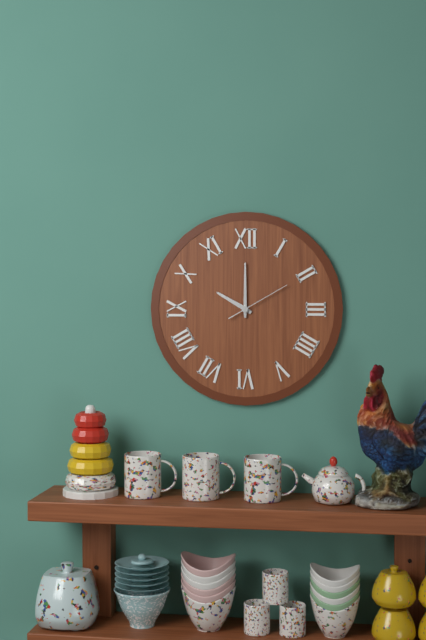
10:00:10
